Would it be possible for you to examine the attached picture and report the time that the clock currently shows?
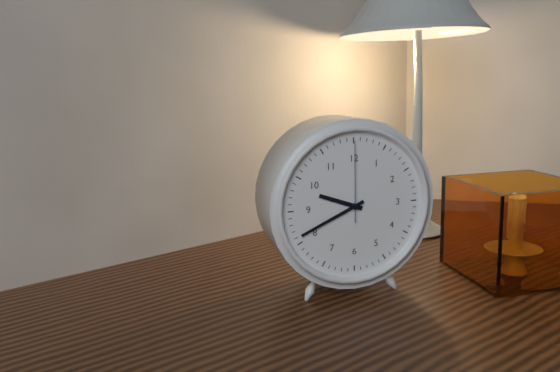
9:41:00
